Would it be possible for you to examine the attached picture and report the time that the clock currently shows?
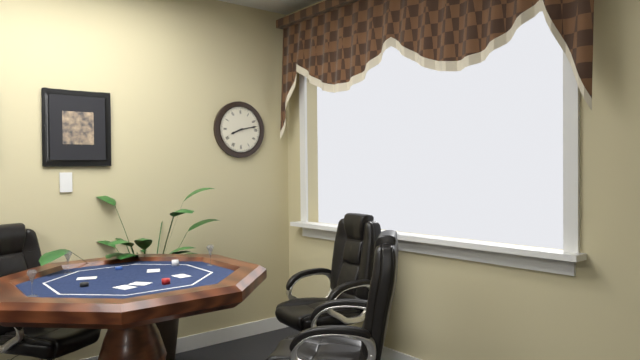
8:13
